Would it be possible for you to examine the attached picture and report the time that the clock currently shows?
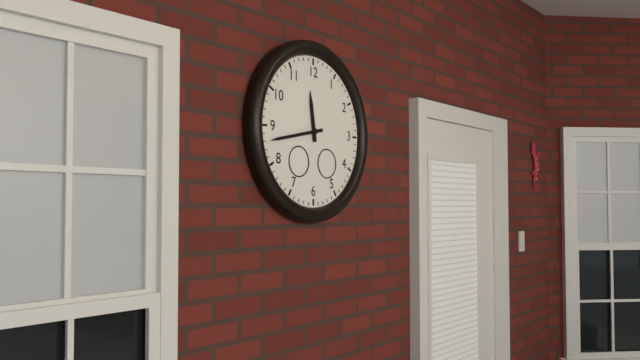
11:43
